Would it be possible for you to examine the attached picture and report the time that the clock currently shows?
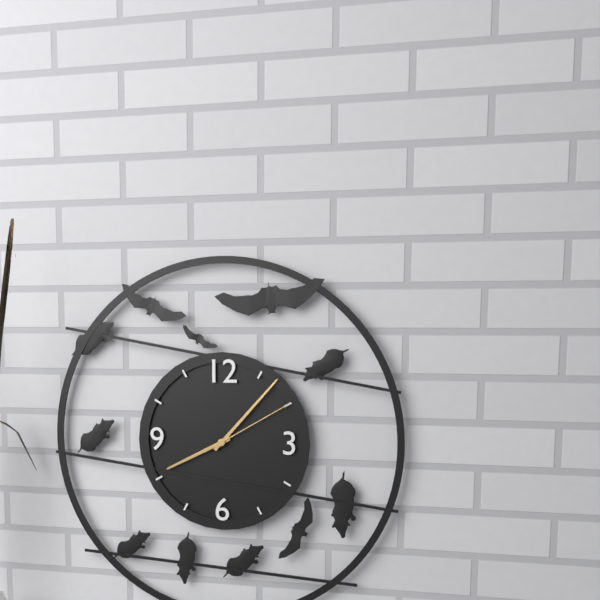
8:07:10
